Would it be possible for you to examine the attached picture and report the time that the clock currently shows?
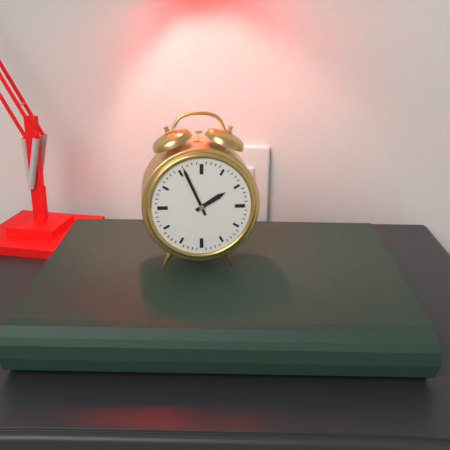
1:56
